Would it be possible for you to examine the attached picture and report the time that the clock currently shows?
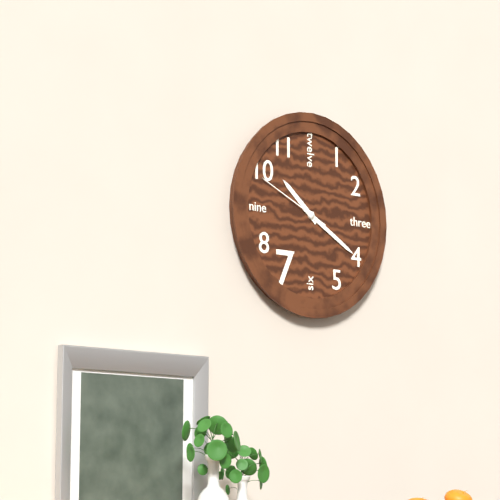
10:20:49
